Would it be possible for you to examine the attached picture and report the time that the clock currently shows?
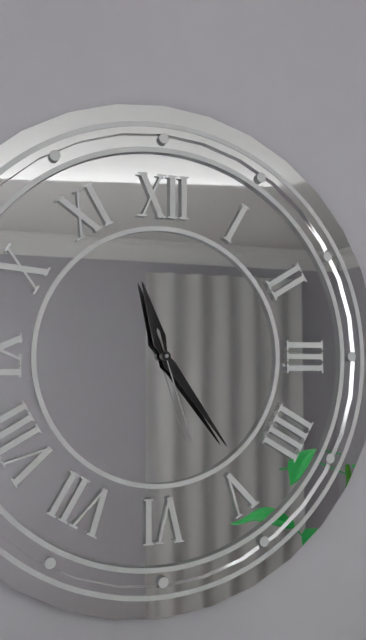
11:24:27
